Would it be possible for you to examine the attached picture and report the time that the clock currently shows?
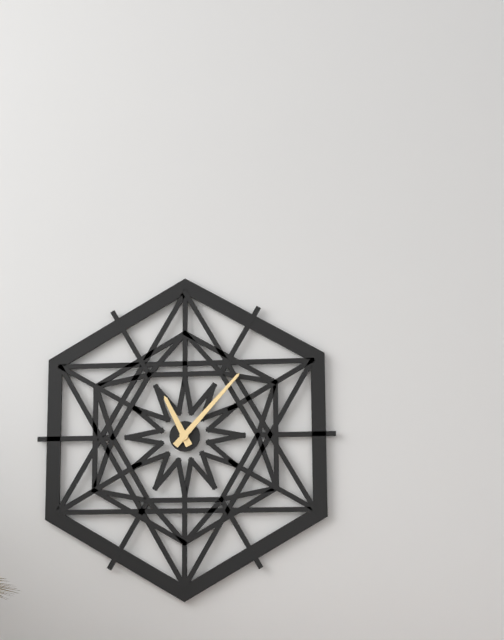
11:07
